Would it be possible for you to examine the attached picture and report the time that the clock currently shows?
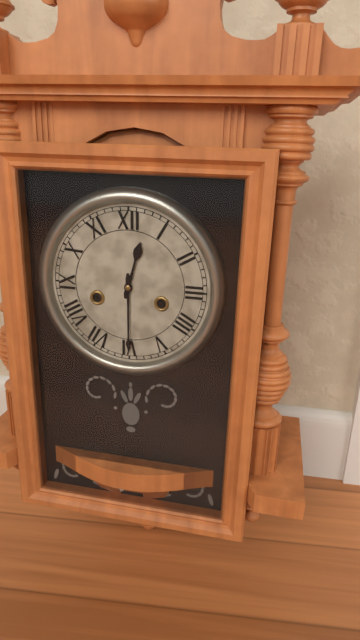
12:30
